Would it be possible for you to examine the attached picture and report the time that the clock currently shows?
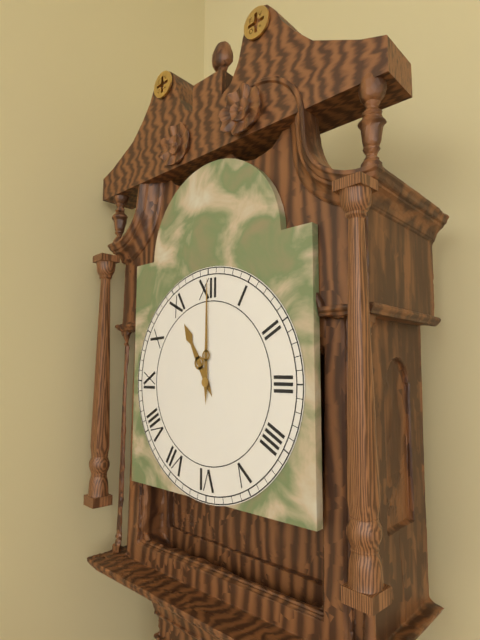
11:00
